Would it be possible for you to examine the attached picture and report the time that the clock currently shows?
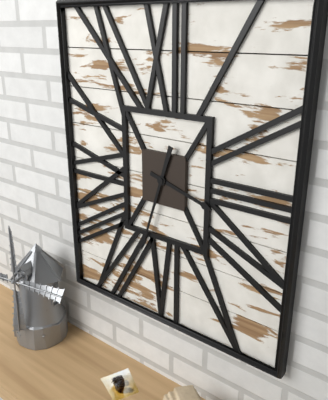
3:33
